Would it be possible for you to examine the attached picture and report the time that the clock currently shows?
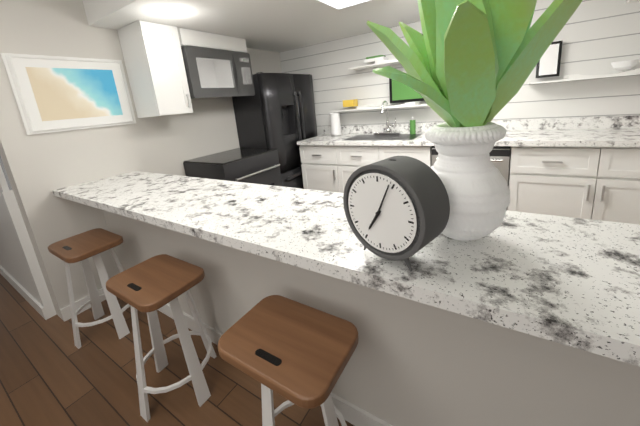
7:04
